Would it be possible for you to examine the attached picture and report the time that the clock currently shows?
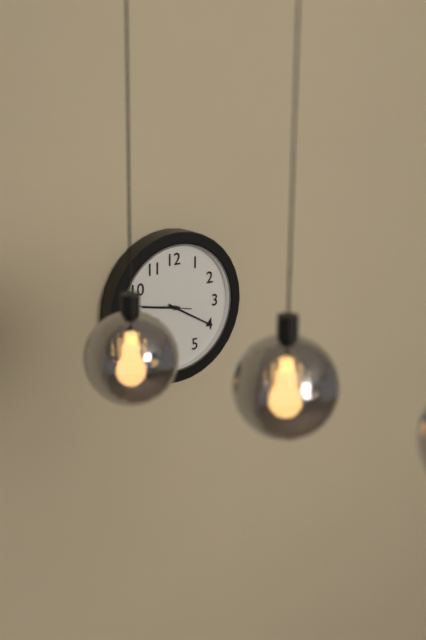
9:20:47
